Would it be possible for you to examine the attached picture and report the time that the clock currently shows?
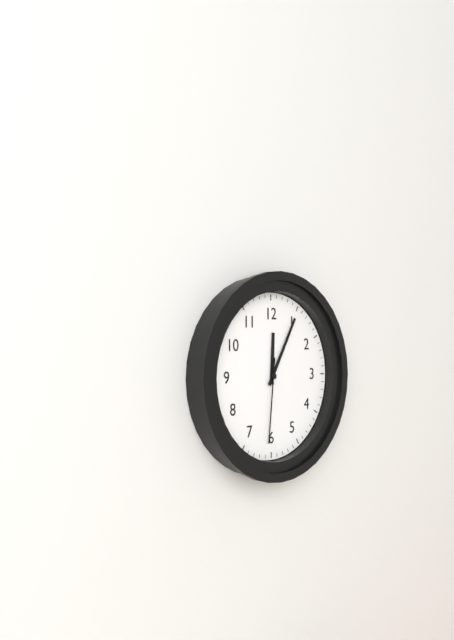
12:05:31
